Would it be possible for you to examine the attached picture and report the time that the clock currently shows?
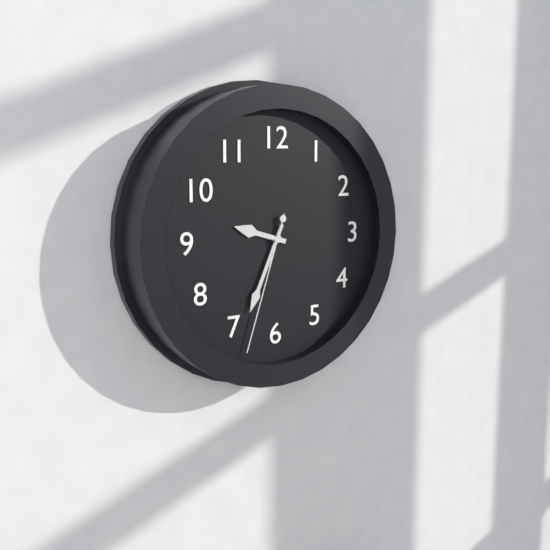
9:34:33
